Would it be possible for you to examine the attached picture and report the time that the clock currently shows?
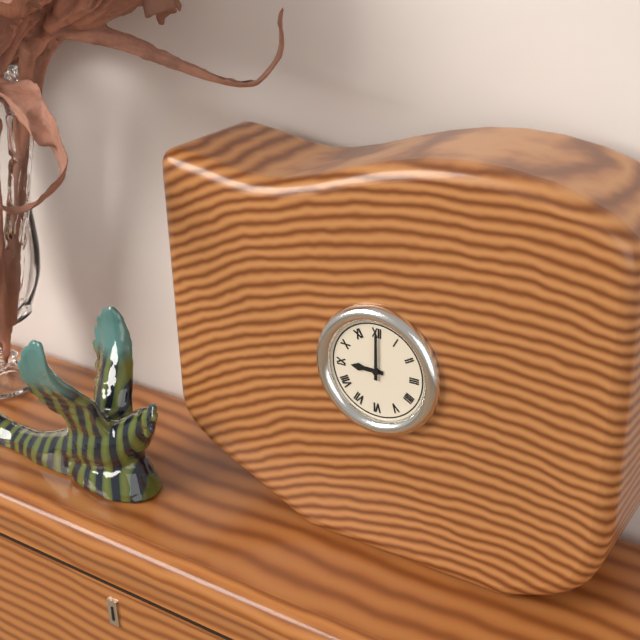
9:00
